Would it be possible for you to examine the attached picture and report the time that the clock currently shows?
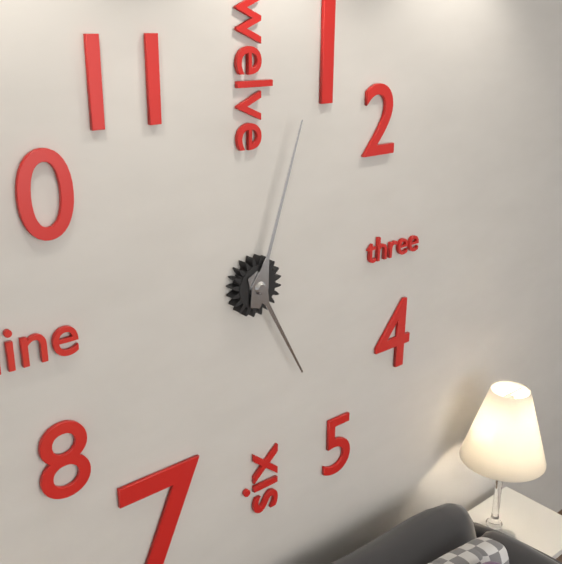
5:03
